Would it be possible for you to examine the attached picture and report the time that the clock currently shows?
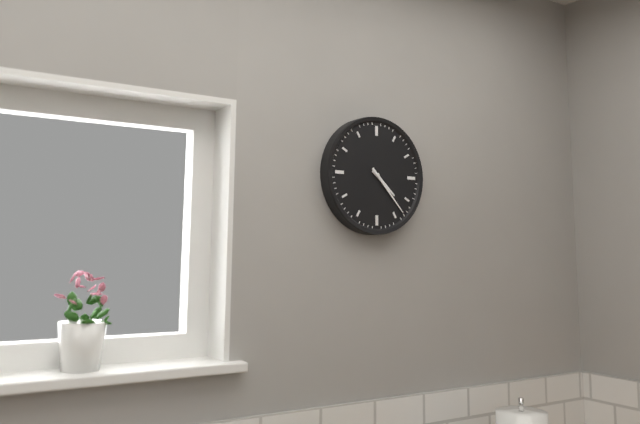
4:23
